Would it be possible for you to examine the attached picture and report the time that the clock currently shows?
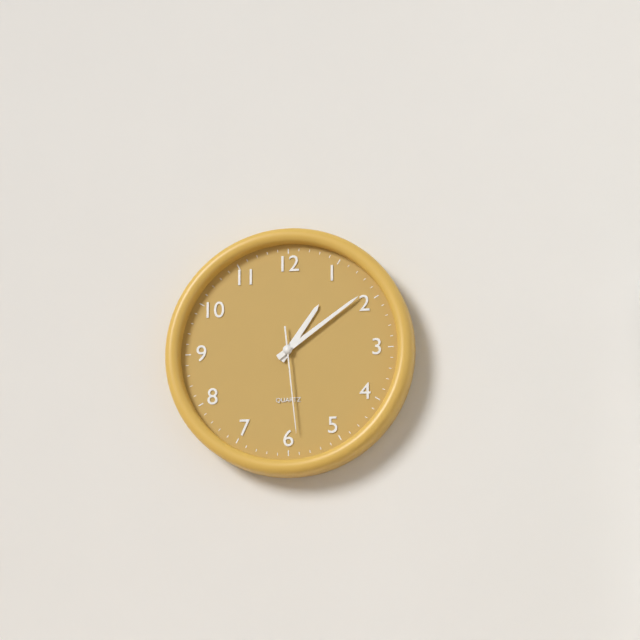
1:09:29
